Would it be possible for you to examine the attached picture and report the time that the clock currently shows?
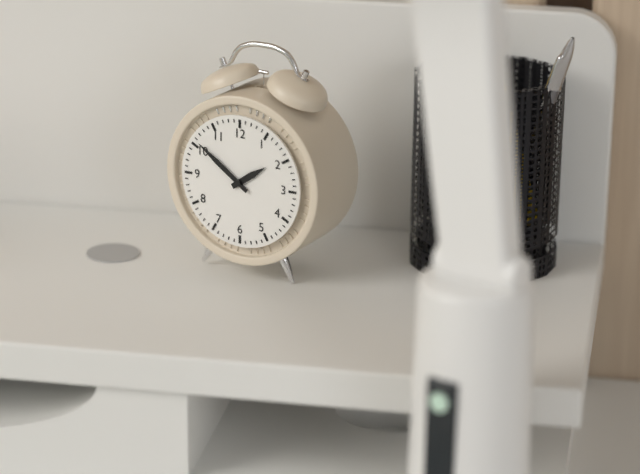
1:51
